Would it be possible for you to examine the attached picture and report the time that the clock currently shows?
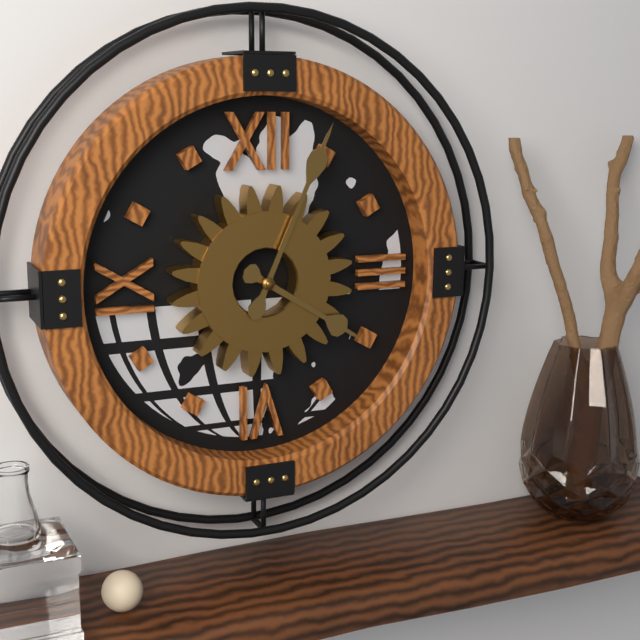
4:04
